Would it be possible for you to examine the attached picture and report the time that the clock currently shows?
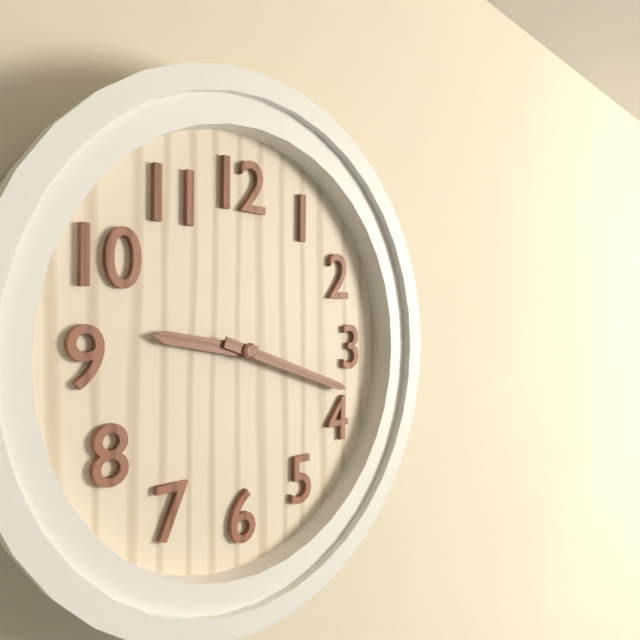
9:18
